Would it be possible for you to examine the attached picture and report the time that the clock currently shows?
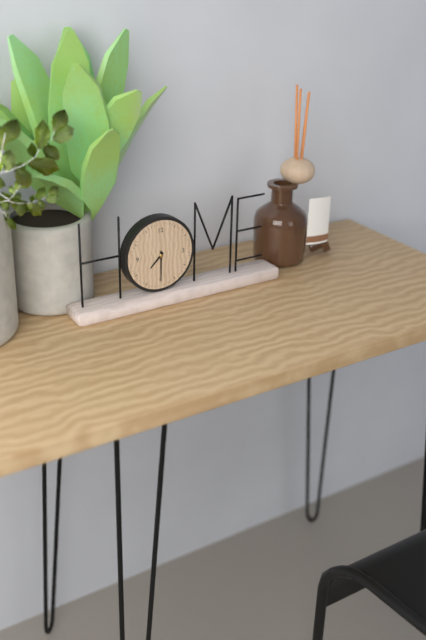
7:30
